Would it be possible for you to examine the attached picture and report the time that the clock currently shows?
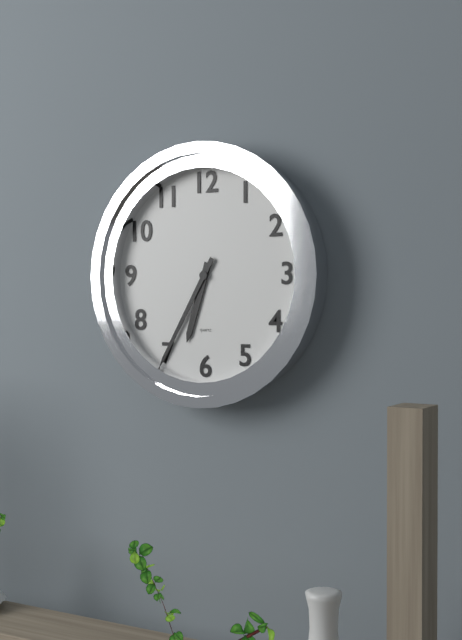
6:35
